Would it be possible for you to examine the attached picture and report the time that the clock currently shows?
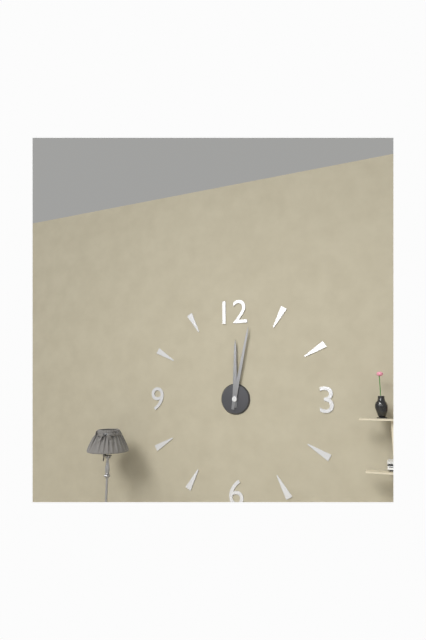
12:02
